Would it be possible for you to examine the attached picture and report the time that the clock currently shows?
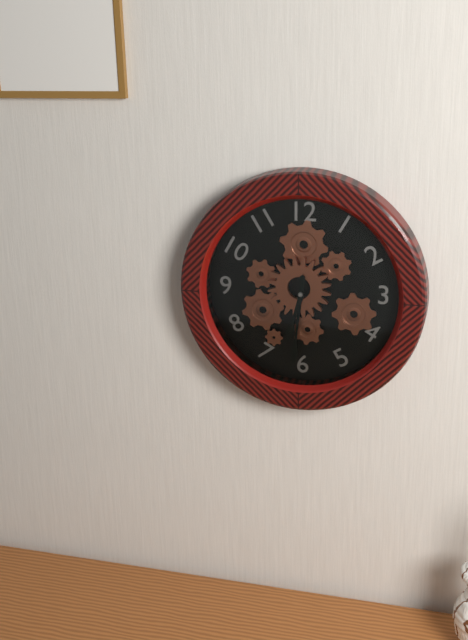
6:31
